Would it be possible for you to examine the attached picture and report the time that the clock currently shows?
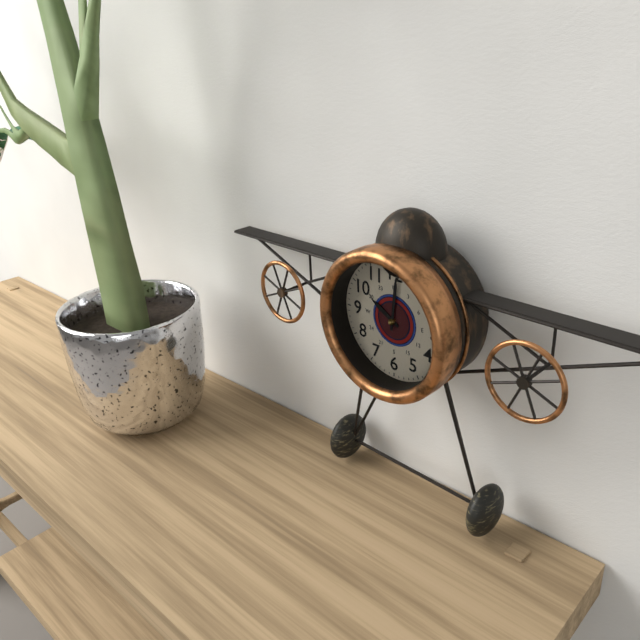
10:01
